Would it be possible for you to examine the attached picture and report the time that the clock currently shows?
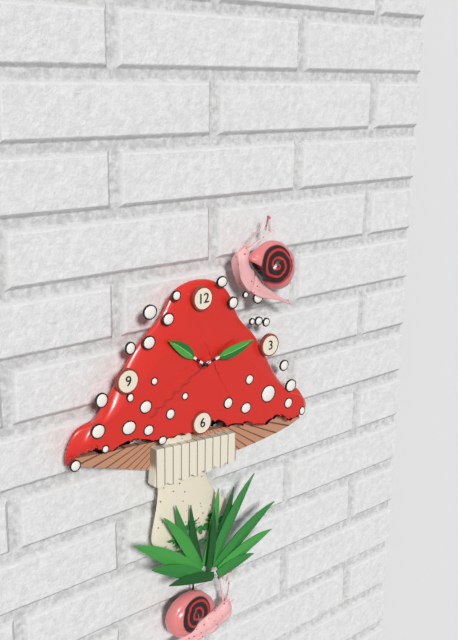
10:13:40
